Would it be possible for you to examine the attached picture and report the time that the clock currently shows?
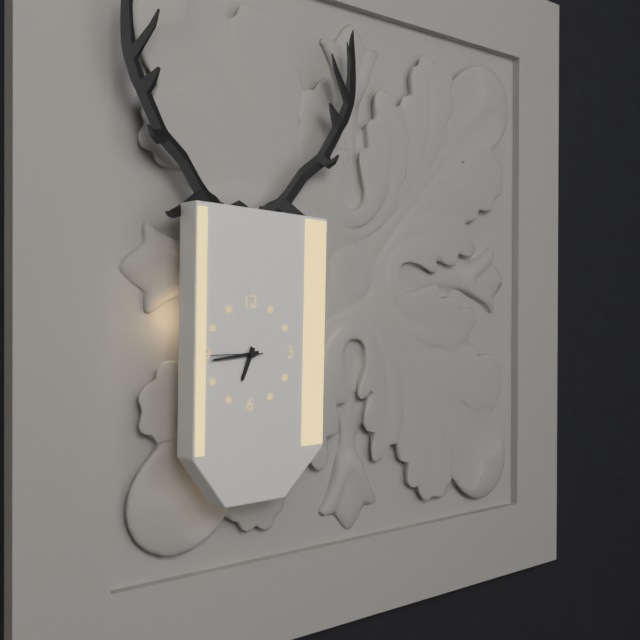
6:44:45
